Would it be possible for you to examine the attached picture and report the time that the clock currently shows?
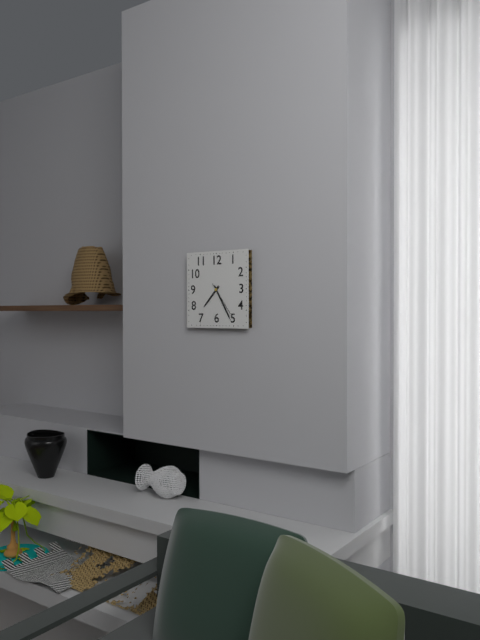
7:25
